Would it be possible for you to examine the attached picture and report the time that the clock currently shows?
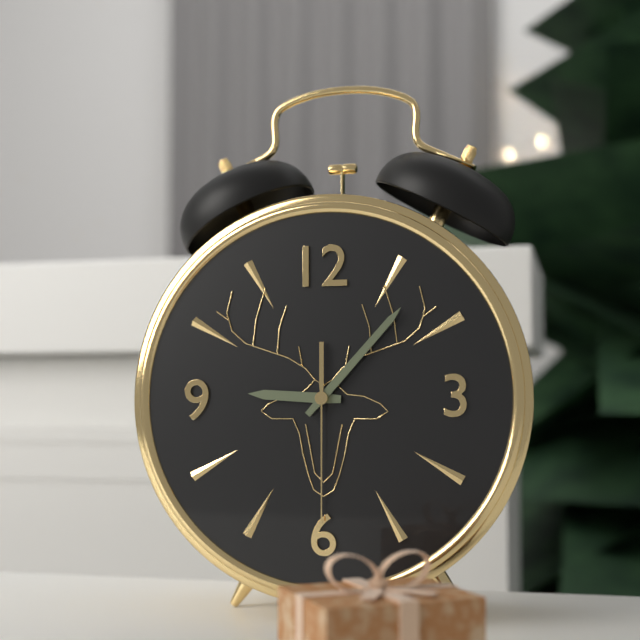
9:07:30
